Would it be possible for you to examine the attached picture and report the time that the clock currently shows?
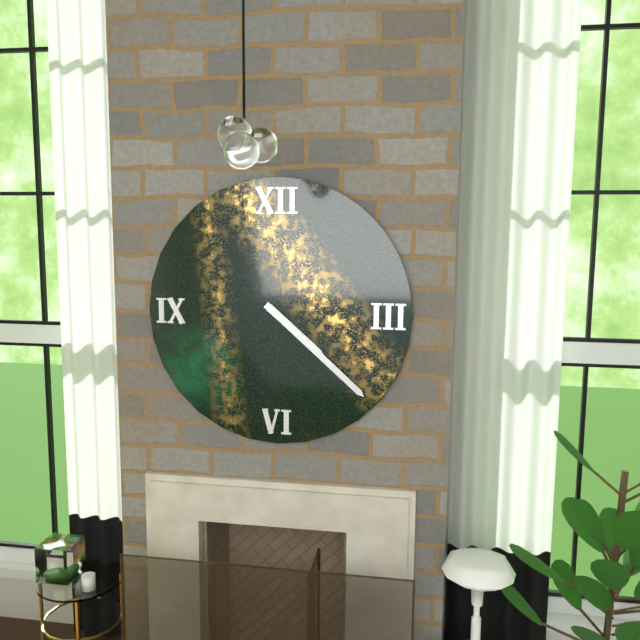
4:22
